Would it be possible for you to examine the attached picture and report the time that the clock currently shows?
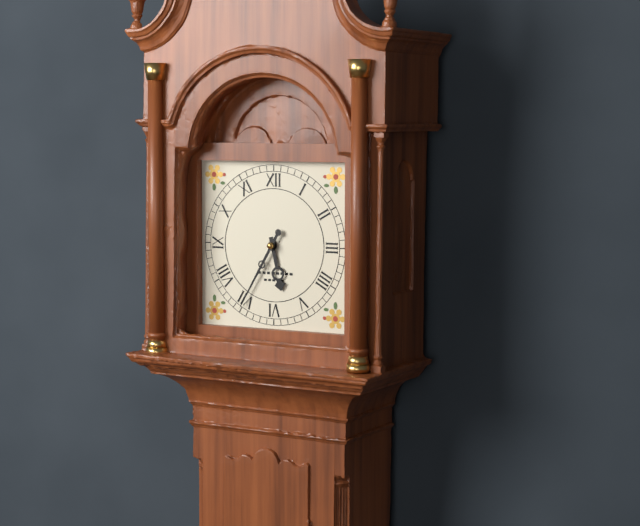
5:35
